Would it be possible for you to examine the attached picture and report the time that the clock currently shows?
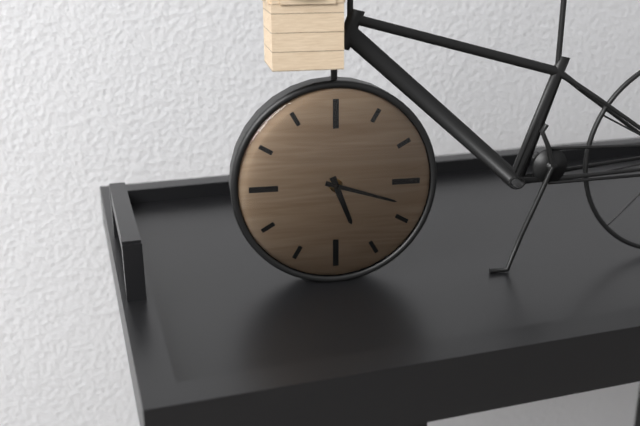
5:18
